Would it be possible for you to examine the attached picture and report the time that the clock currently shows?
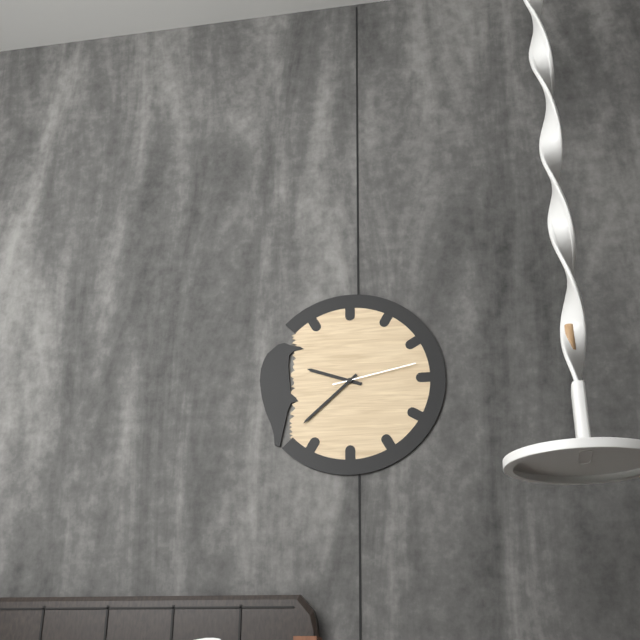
9:38:13
